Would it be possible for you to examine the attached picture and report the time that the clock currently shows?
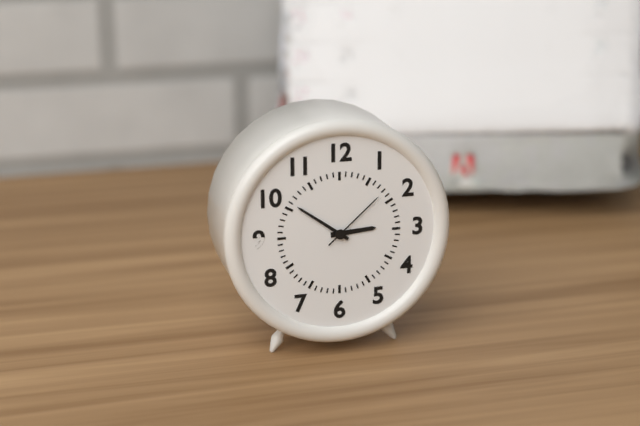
2:51:08
